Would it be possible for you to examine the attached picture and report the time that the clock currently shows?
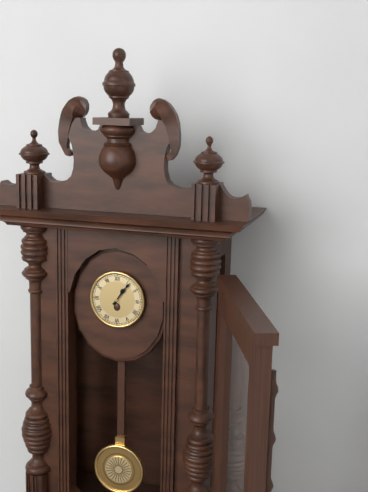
1:06
